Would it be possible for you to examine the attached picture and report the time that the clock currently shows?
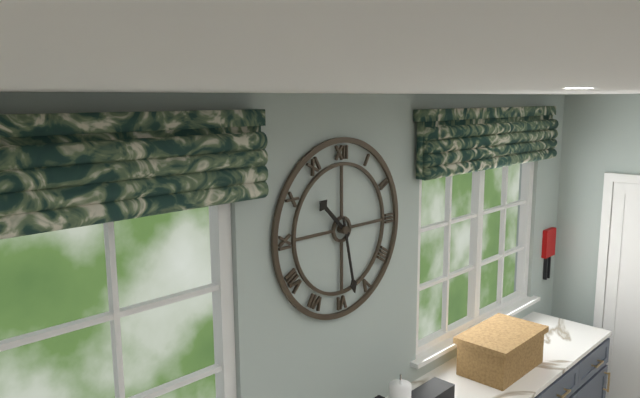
10:28
